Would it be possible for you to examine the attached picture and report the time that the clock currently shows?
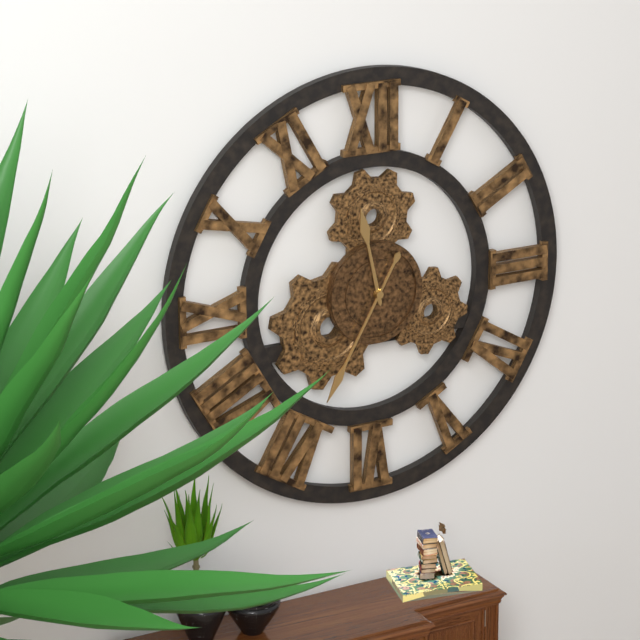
11:35
